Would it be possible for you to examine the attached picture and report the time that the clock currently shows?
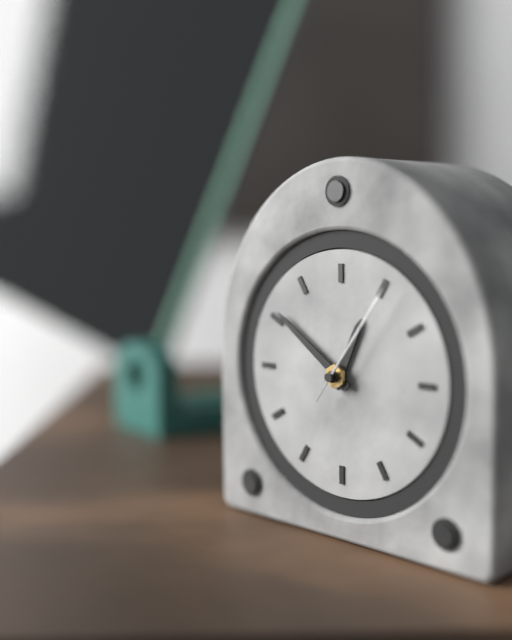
12:51:06
